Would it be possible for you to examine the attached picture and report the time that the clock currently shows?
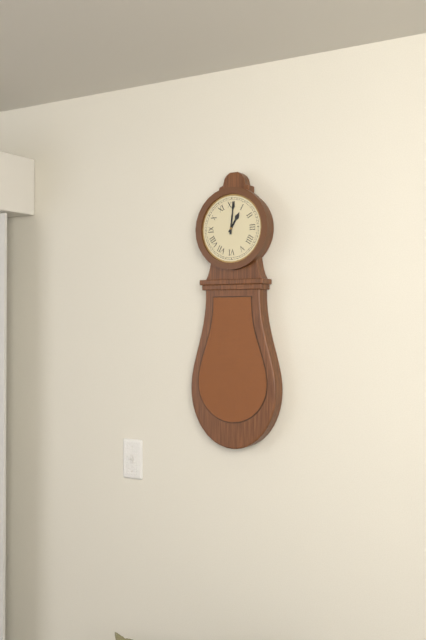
1:01
